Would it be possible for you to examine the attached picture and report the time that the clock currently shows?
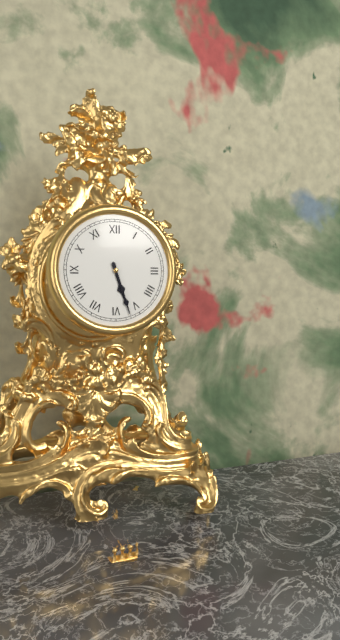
5:27
